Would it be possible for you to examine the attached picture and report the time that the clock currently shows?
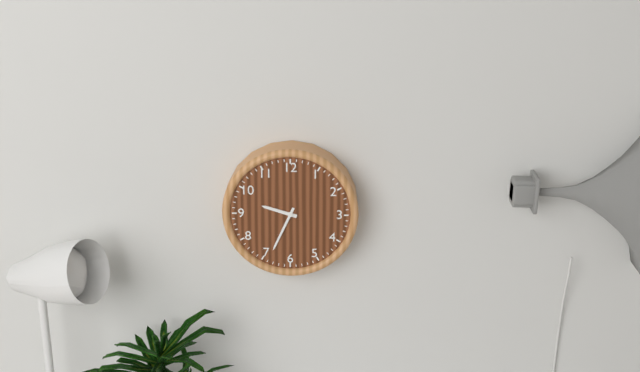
9:34
